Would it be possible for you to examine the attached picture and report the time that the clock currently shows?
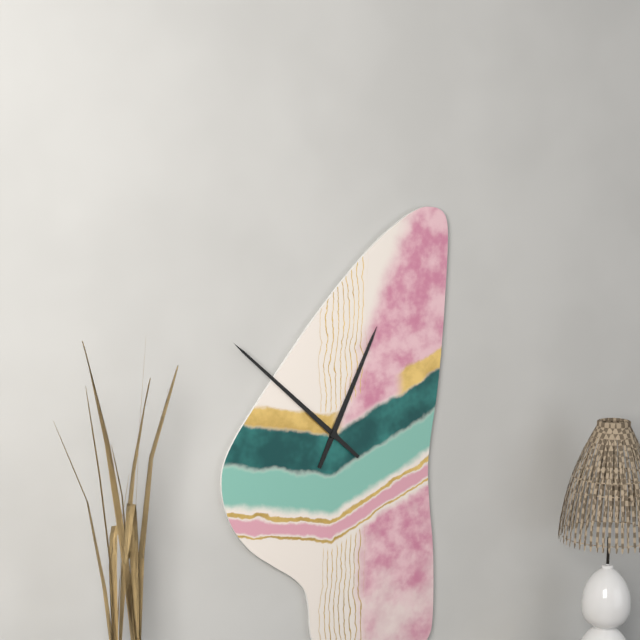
12:52
